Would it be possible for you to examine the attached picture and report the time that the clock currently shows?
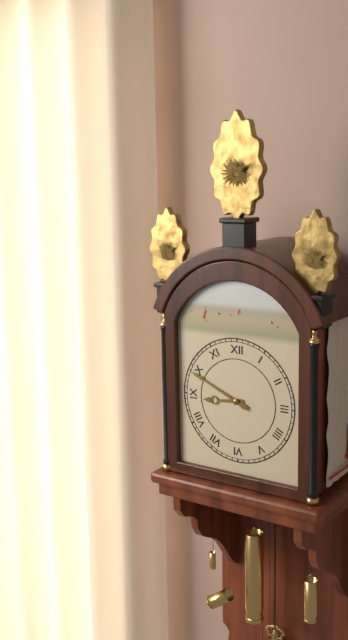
8:49
